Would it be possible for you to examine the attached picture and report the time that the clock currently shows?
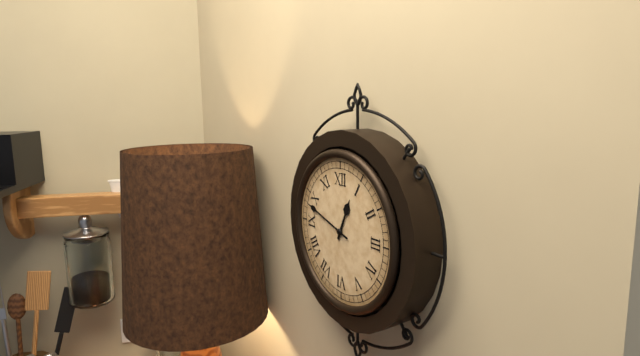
12:48
